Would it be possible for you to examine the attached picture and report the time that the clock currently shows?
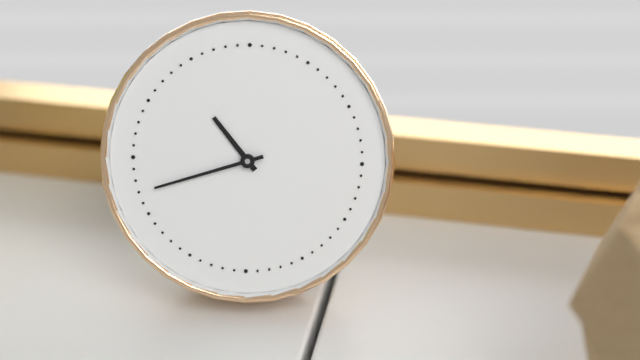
10:42
